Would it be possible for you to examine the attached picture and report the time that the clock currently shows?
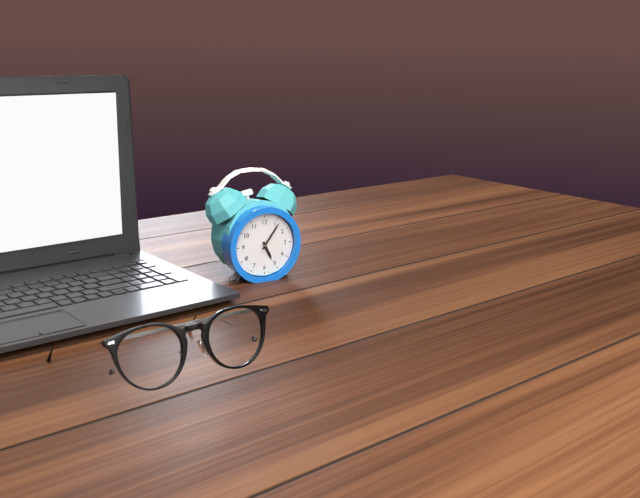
5:06
